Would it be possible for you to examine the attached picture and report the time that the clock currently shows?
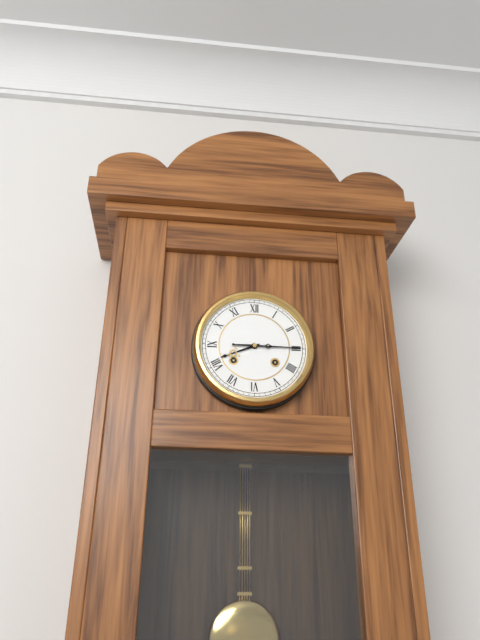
8:15
